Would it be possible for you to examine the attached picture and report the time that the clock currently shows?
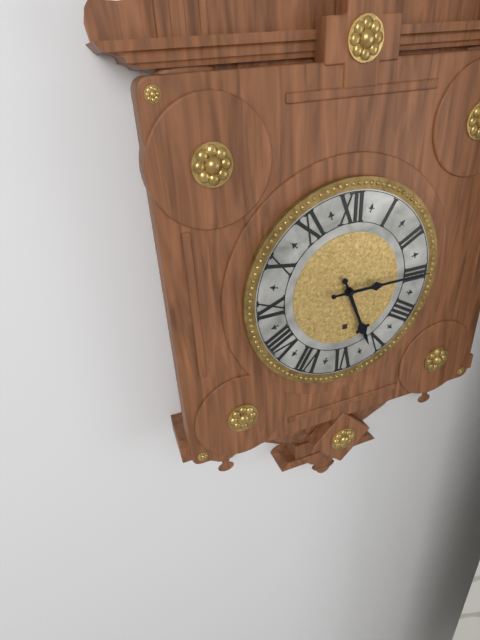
5:15
